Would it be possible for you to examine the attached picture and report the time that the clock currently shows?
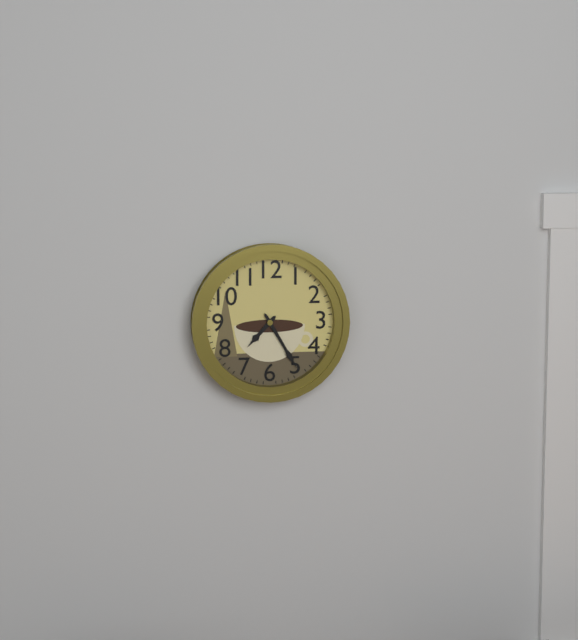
7:25
